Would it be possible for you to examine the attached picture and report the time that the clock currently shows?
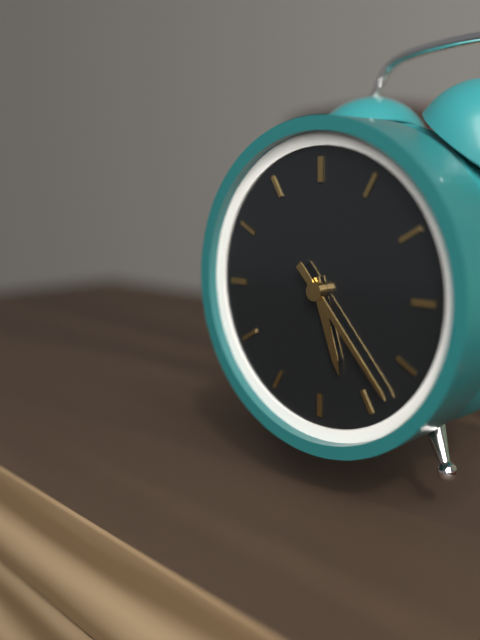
5:23
